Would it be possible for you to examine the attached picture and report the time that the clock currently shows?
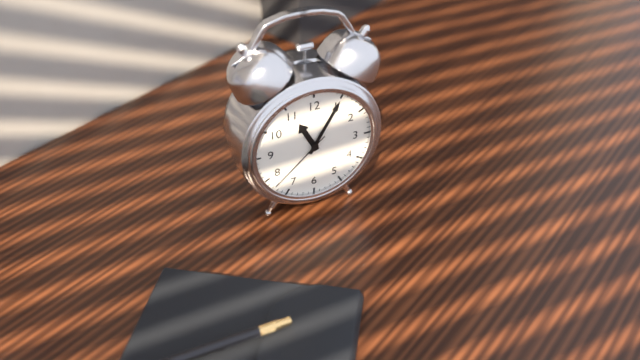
11:05:38
